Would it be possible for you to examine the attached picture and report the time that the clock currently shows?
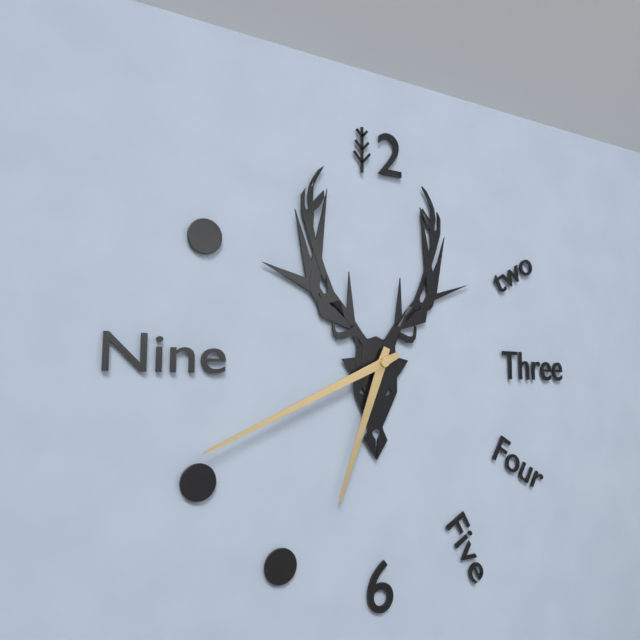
6:41
